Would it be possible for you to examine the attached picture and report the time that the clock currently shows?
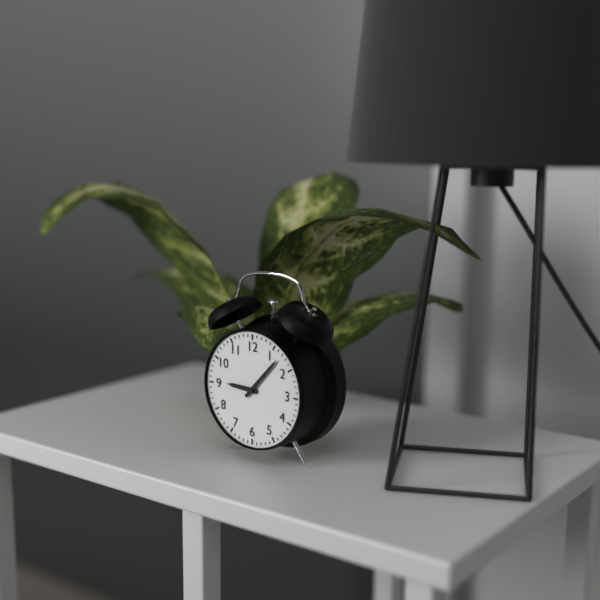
9:07
